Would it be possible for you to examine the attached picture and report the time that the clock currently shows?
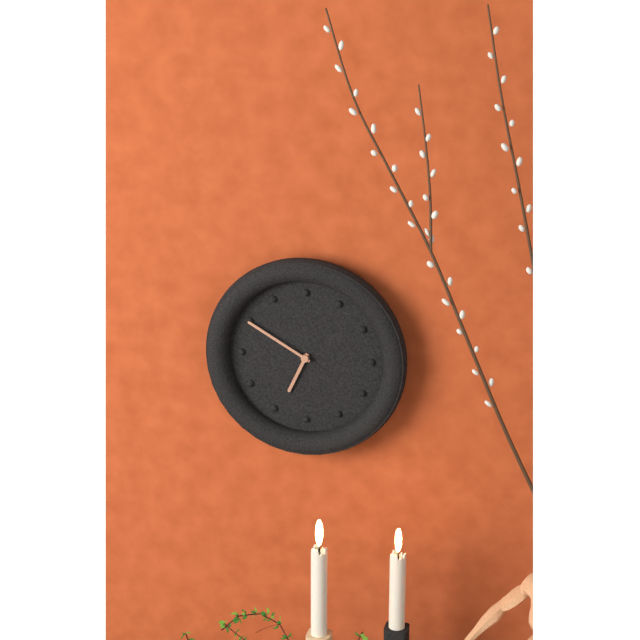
6:50
